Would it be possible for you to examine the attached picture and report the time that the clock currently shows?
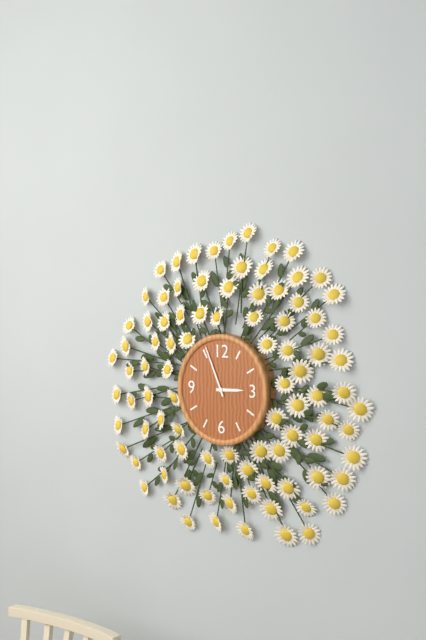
2:56
